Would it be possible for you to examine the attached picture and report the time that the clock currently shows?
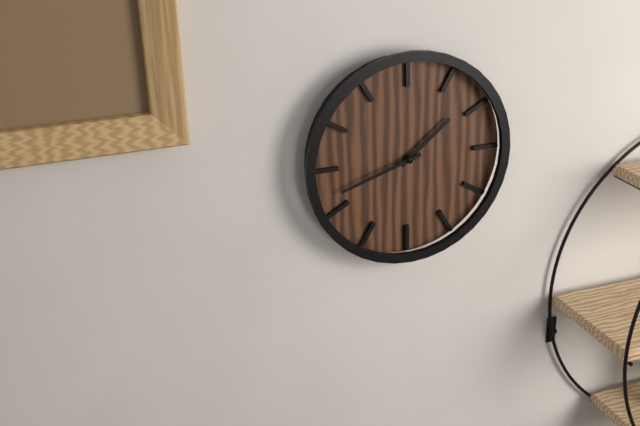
1:42
